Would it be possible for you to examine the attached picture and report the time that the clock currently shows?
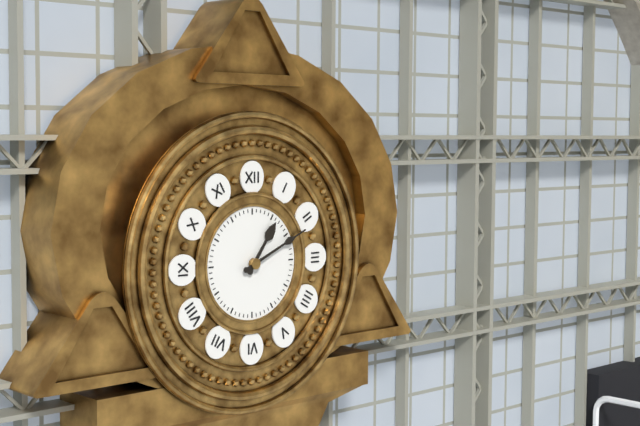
1:11
